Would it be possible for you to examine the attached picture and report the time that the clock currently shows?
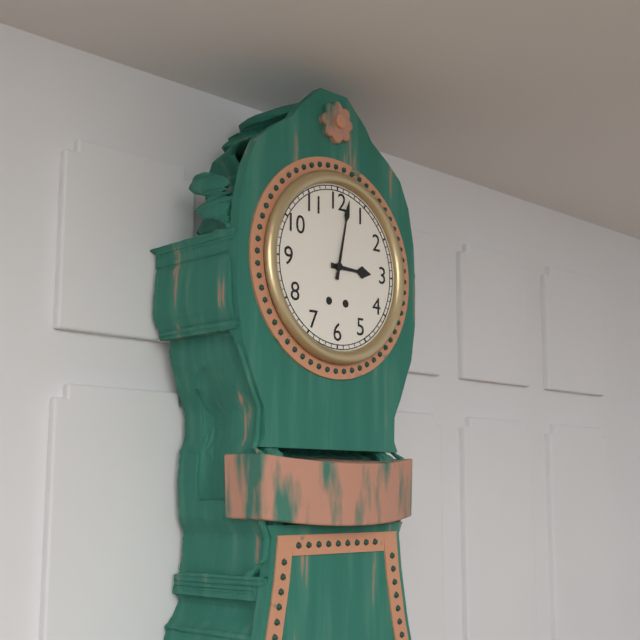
3:02
